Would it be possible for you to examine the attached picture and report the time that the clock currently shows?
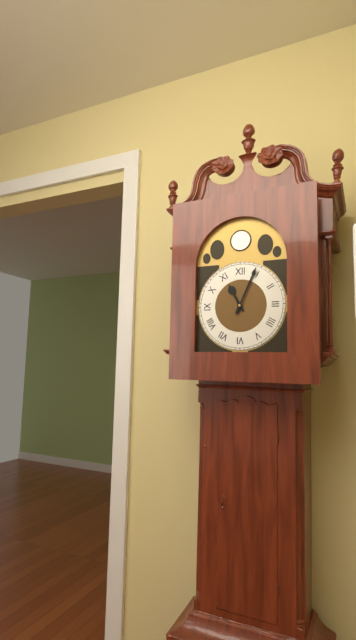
11:04
